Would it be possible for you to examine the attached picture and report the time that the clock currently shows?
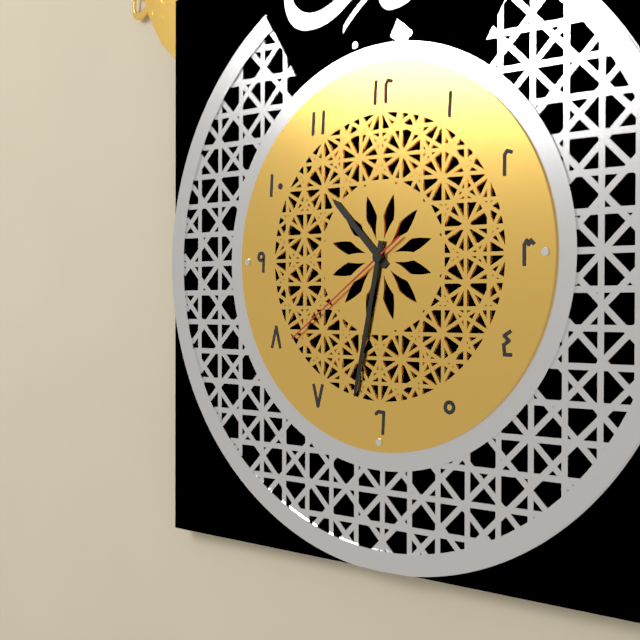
10:32:39
